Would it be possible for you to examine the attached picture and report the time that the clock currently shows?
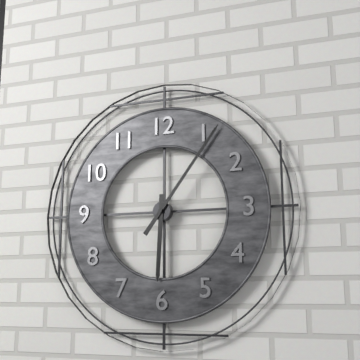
6:06
